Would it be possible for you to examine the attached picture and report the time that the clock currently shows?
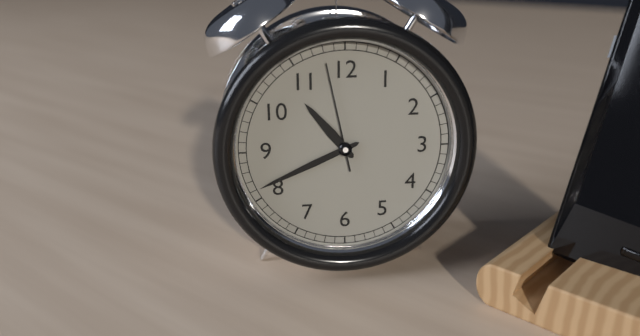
10:41:58
